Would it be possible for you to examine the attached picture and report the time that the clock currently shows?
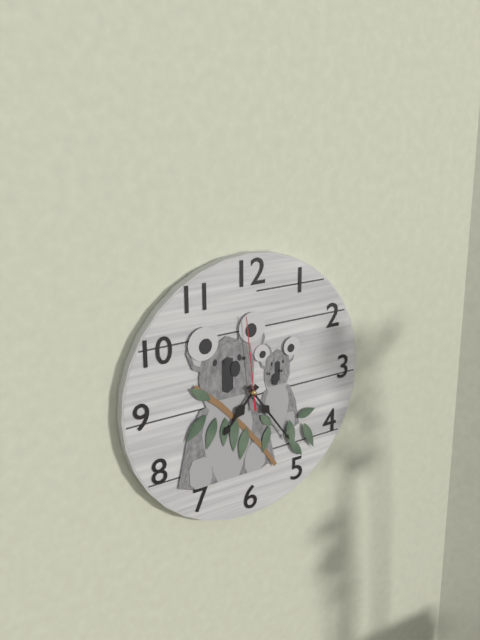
7:24:59
